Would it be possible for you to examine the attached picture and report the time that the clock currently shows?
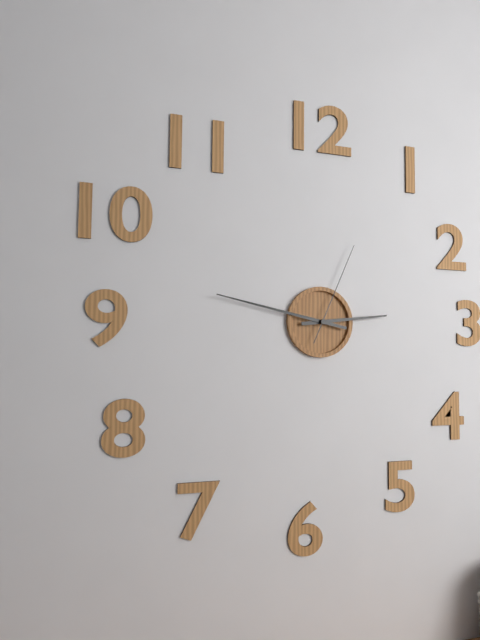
2:47:04
